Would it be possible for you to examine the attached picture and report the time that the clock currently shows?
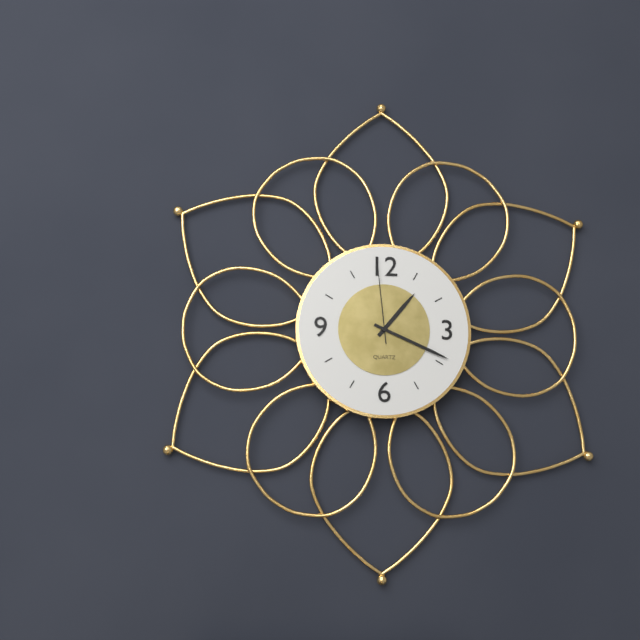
1:19:59
